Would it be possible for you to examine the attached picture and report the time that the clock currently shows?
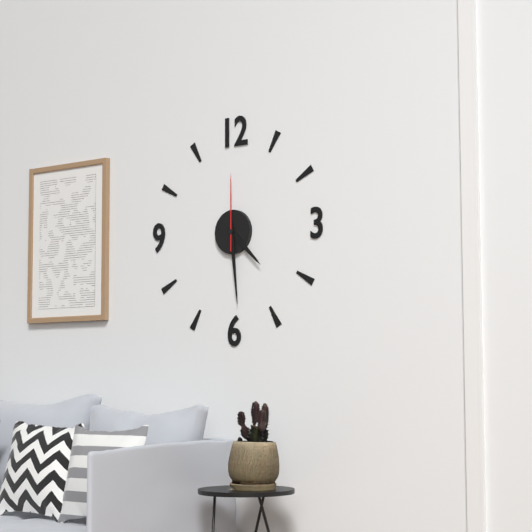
4:29:00
